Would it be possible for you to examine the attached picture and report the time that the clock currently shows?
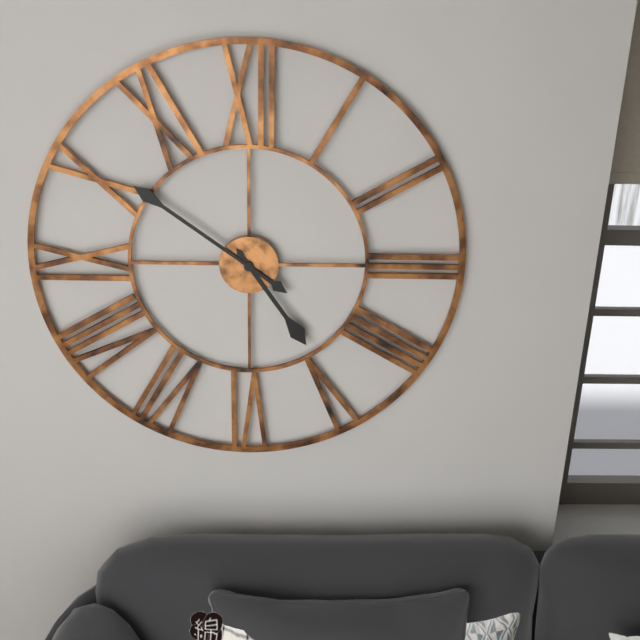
4:51
